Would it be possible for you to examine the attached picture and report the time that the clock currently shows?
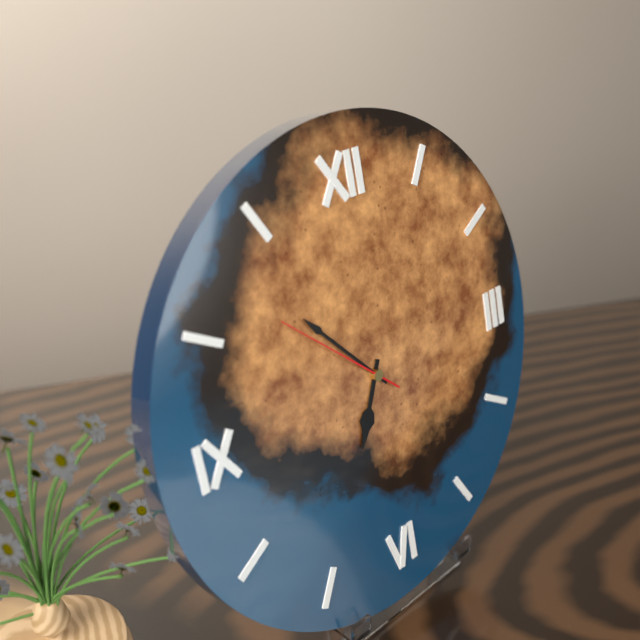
6:53:52
